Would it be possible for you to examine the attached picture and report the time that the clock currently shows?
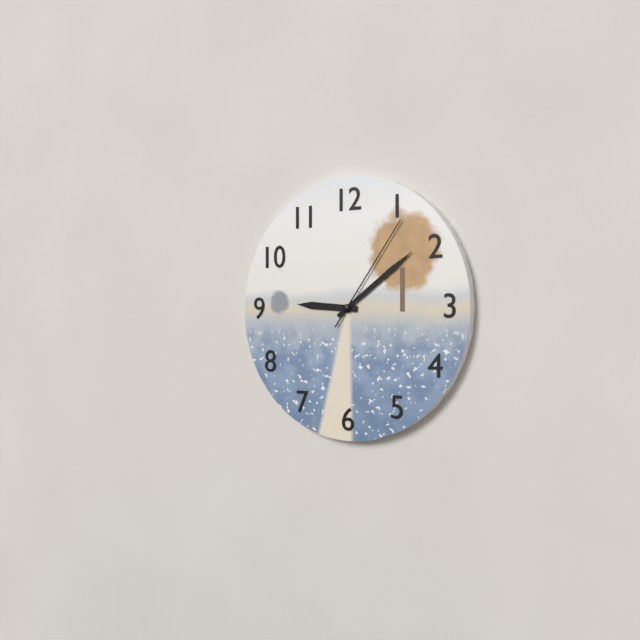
9:09:06
